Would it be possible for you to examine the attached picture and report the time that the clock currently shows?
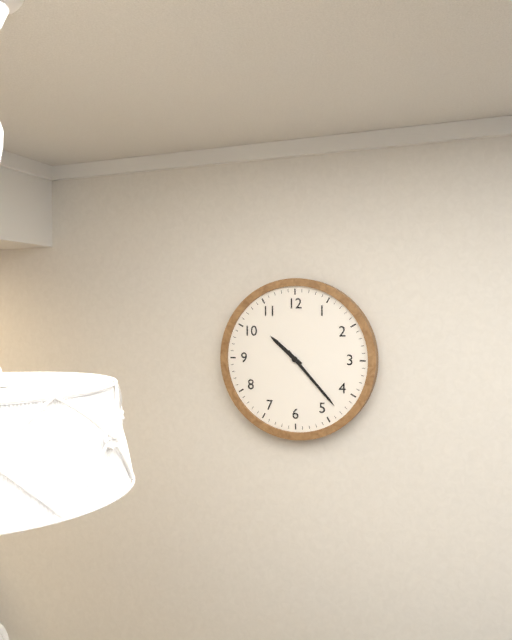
10:23
